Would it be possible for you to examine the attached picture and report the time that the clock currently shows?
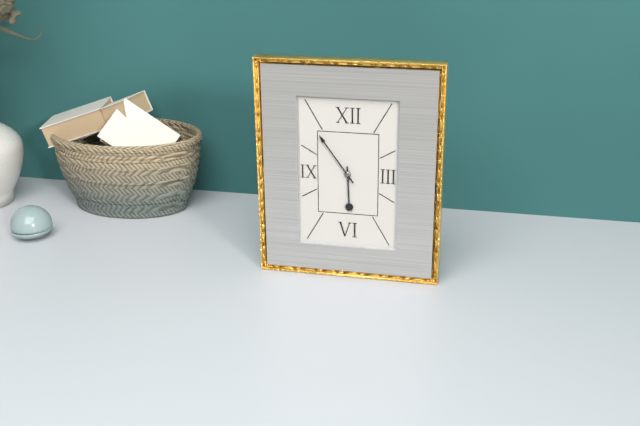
5:54
